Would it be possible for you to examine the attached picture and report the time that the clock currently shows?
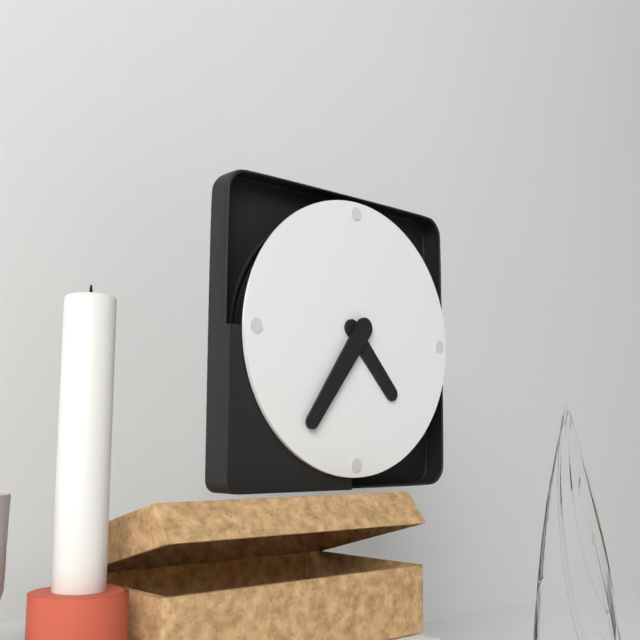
4:36
